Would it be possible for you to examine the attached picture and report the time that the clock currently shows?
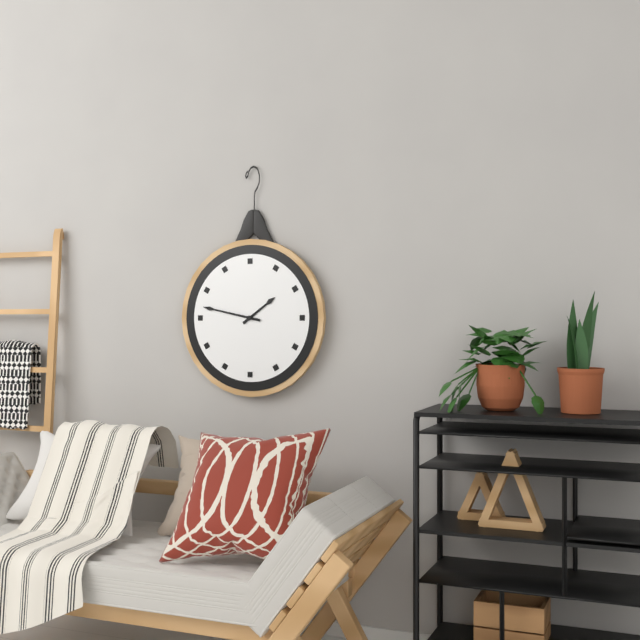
1:47
